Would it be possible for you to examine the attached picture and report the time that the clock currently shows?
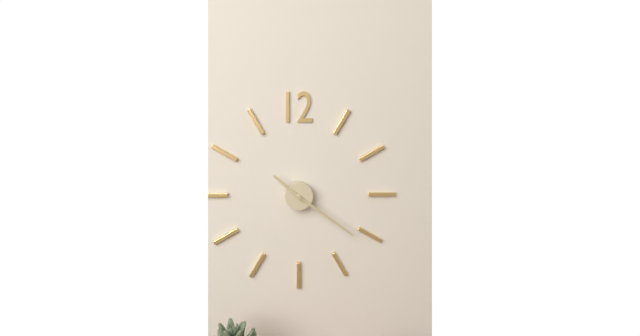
10:21
